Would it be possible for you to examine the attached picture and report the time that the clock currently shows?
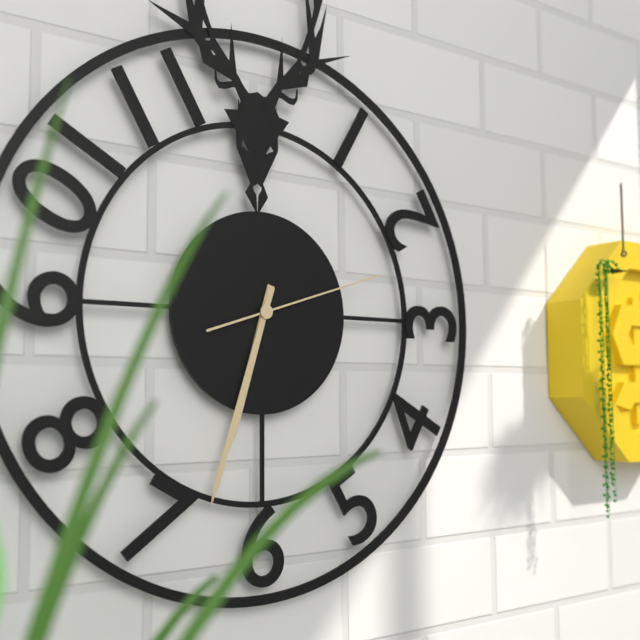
6:33:12
